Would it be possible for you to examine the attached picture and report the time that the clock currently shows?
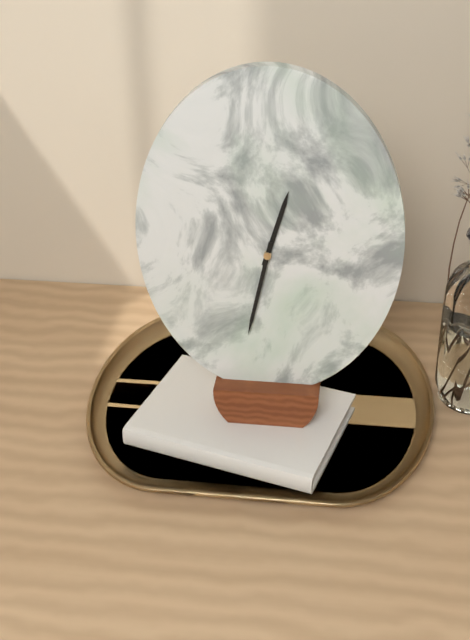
12:32
